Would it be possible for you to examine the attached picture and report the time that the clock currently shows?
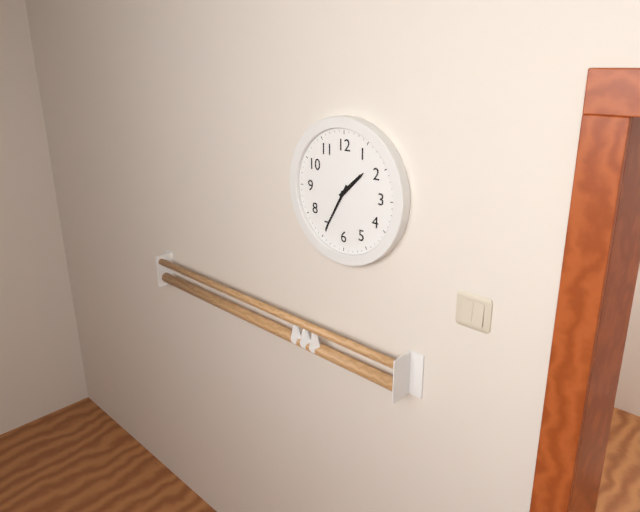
1:35
